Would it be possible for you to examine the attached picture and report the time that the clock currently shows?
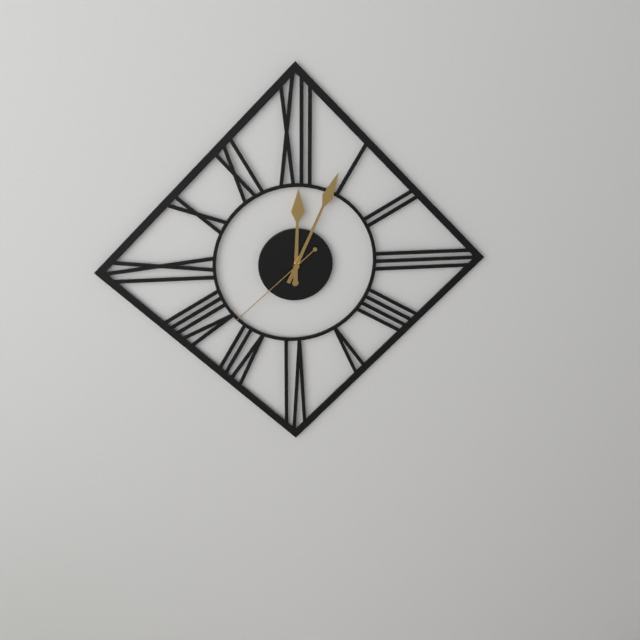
12:04:38
